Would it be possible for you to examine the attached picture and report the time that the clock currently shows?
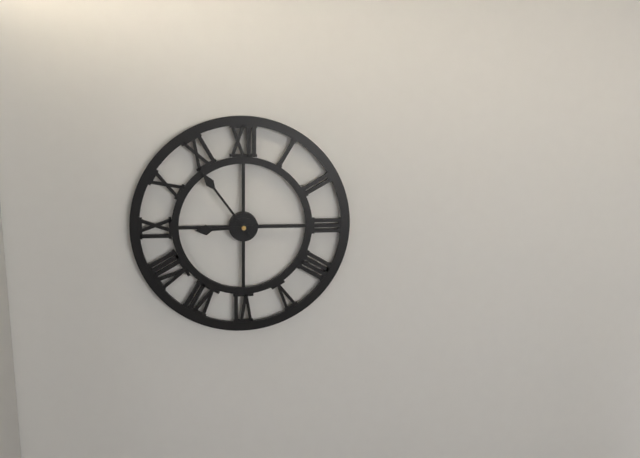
8:54
